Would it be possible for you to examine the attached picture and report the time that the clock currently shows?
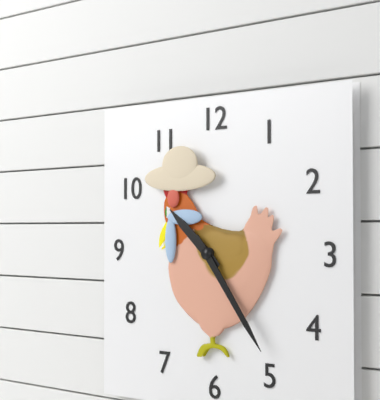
10:24
